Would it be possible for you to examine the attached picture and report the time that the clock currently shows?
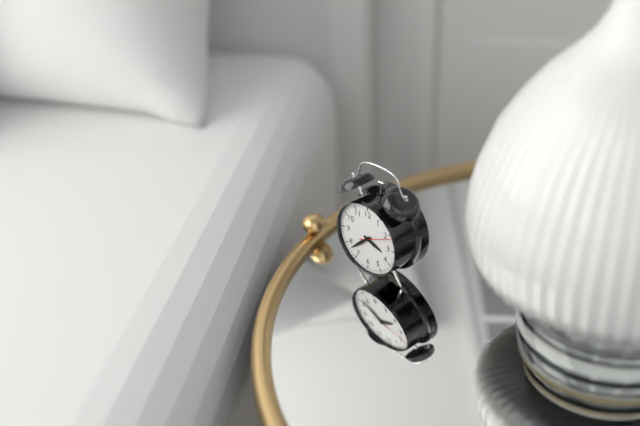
3:38
